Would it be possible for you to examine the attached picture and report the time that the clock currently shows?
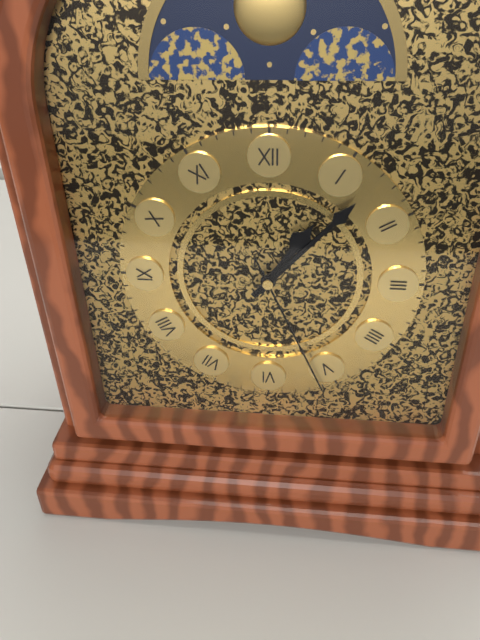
1:07:26
